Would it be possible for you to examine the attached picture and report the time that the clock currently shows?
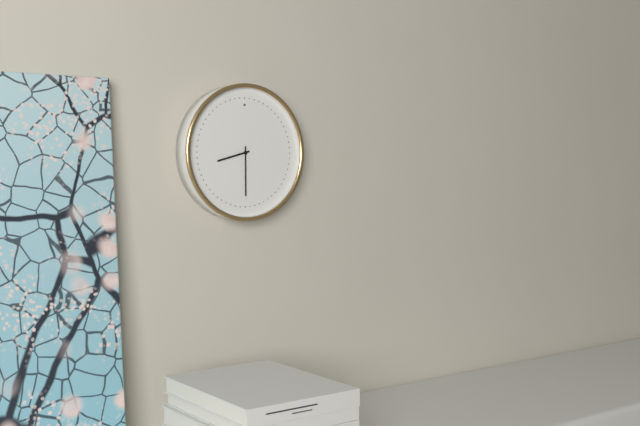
8:30
